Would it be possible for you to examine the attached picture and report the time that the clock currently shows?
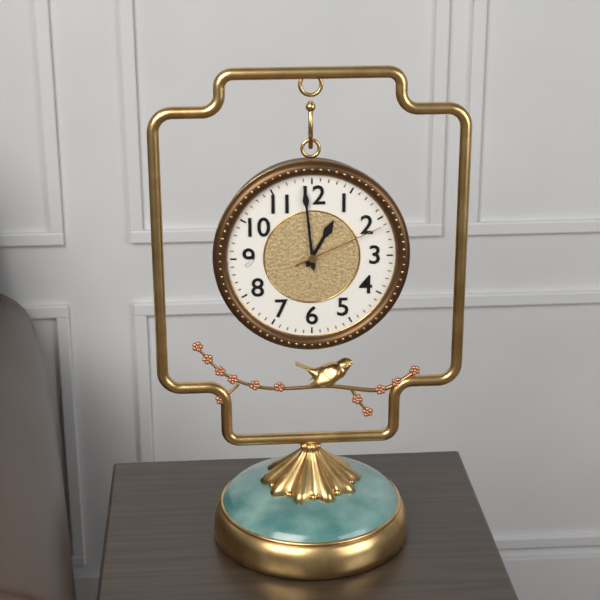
12:59:11
